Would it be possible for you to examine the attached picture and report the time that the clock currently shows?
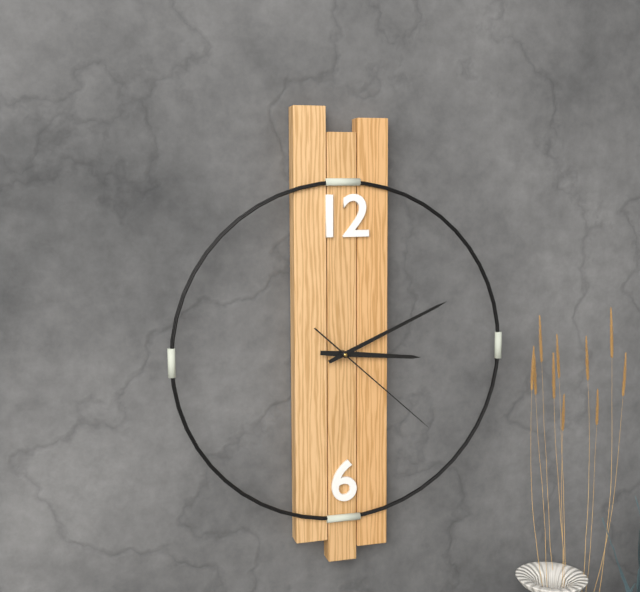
3:11:22
